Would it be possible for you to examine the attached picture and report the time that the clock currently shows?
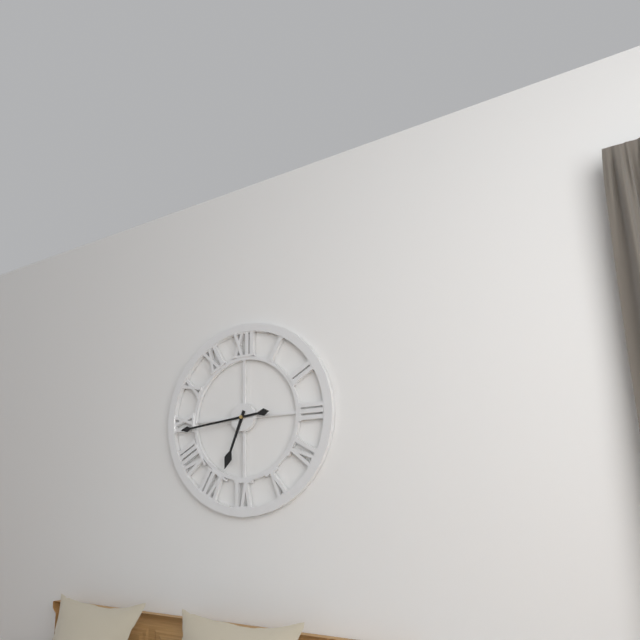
6:44
